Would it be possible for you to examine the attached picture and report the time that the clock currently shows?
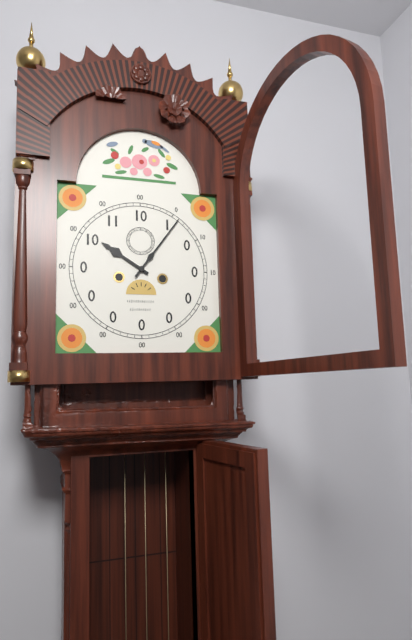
10:06
